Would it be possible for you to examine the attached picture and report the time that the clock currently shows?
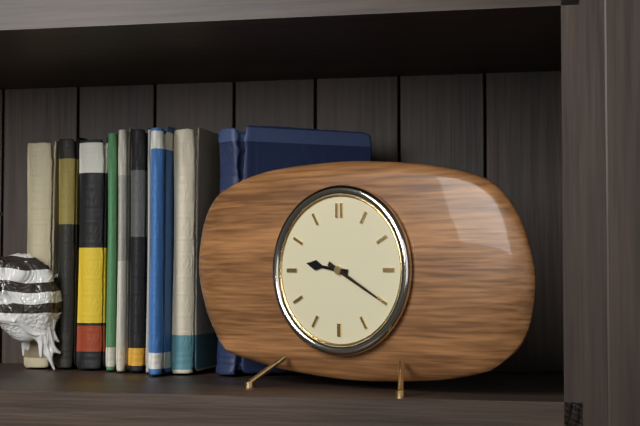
9:20
